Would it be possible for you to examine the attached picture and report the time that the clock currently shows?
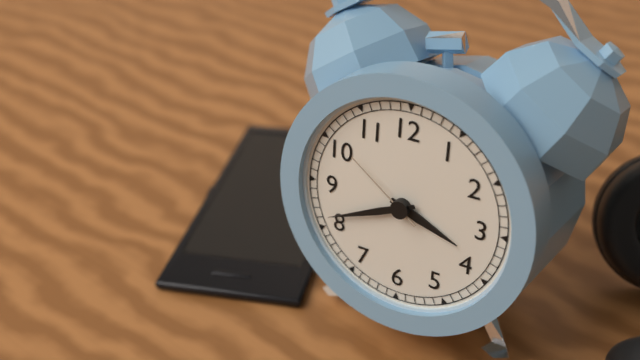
3:41:51
